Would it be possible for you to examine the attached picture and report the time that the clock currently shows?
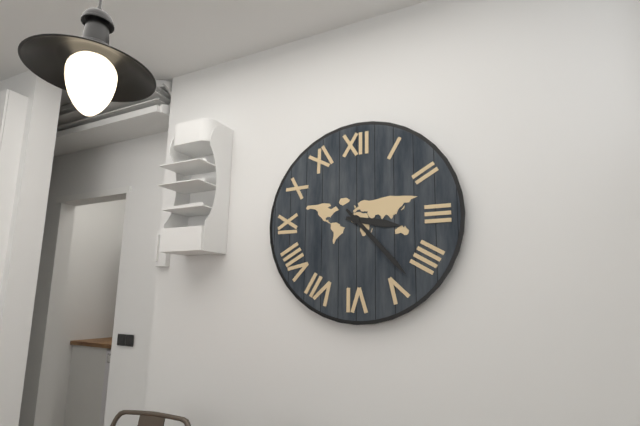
3:23
